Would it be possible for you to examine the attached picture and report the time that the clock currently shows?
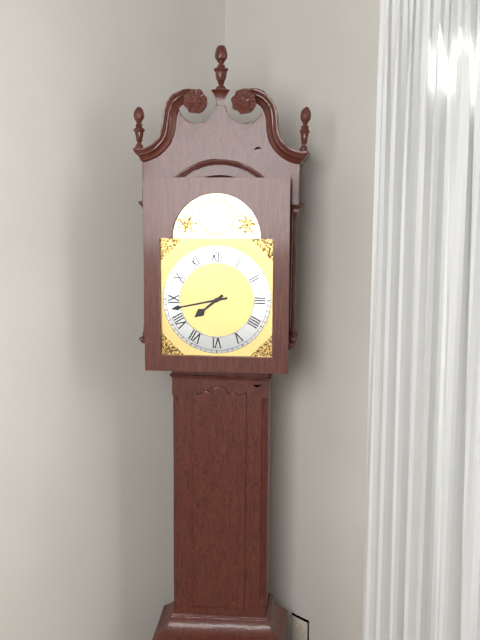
7:43
